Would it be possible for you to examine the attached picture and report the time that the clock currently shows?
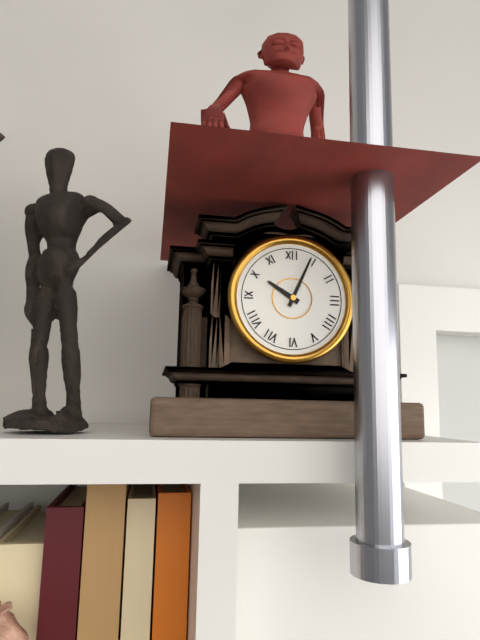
10:04
